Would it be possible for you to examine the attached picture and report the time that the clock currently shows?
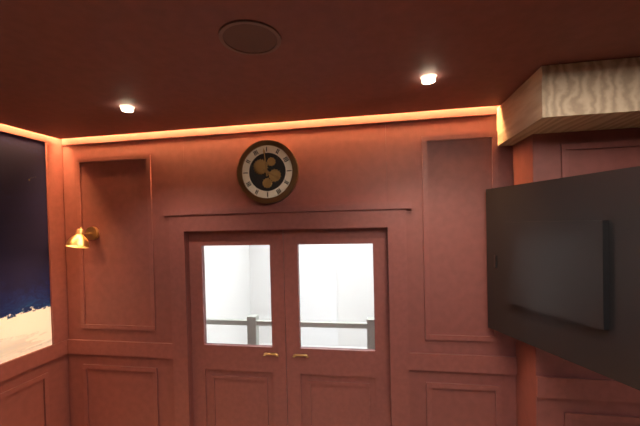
3:59
